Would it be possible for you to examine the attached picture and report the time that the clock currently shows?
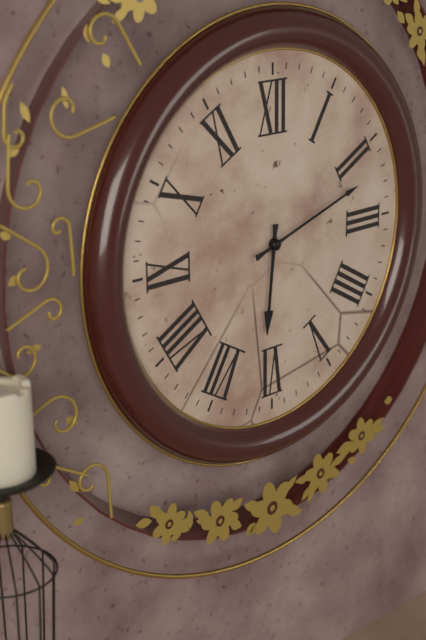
6:12
